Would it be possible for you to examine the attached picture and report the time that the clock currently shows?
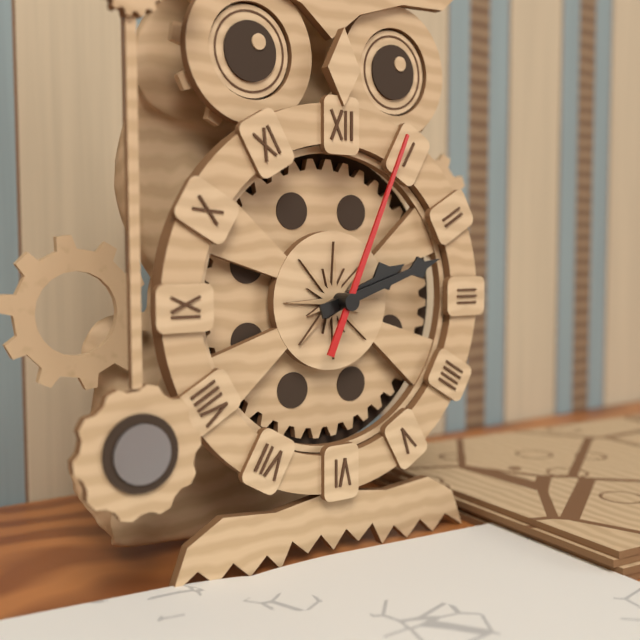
2:12:04
